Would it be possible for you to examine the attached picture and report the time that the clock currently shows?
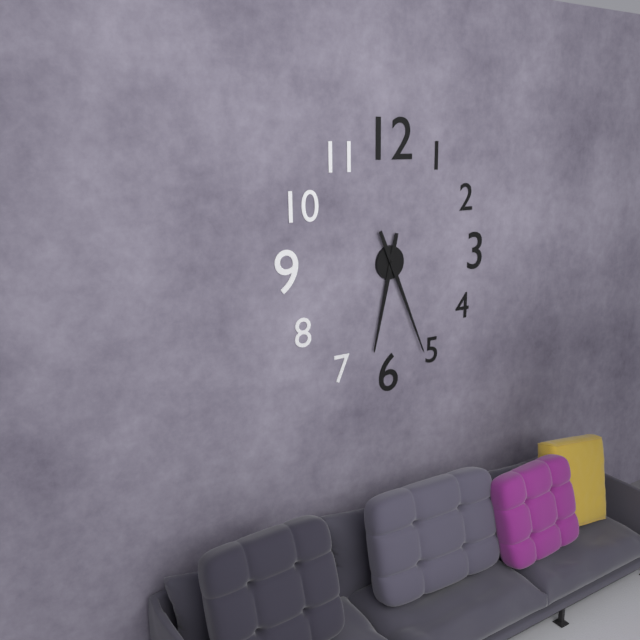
6:26
